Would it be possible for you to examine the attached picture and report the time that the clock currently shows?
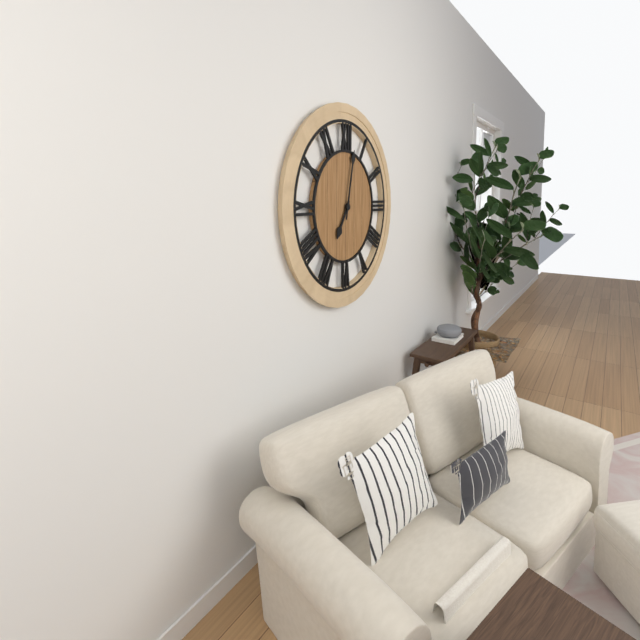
7:02
